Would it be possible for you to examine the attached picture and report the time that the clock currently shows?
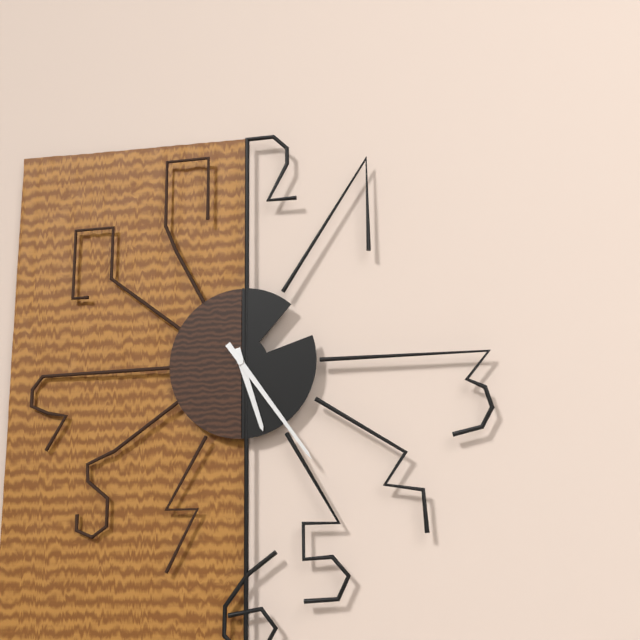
5:24
